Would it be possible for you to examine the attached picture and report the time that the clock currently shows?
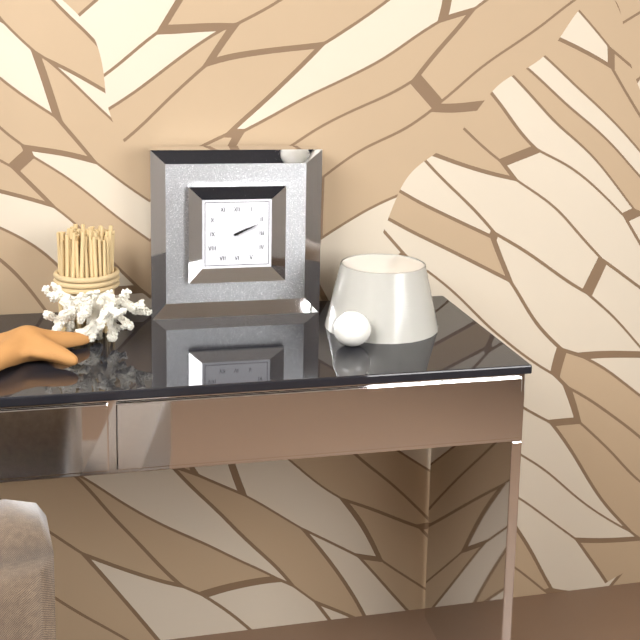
2:11
